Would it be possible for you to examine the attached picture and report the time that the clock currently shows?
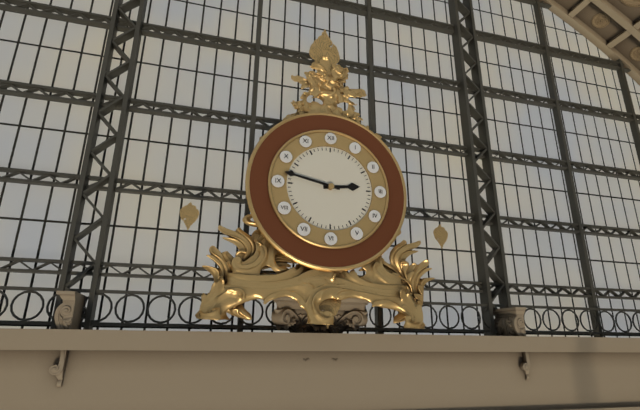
2:47
